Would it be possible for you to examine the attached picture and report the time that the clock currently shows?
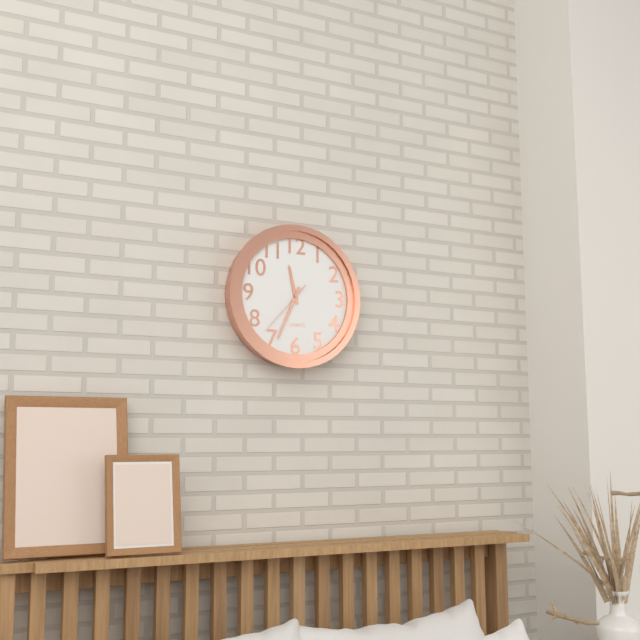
11:34:37
